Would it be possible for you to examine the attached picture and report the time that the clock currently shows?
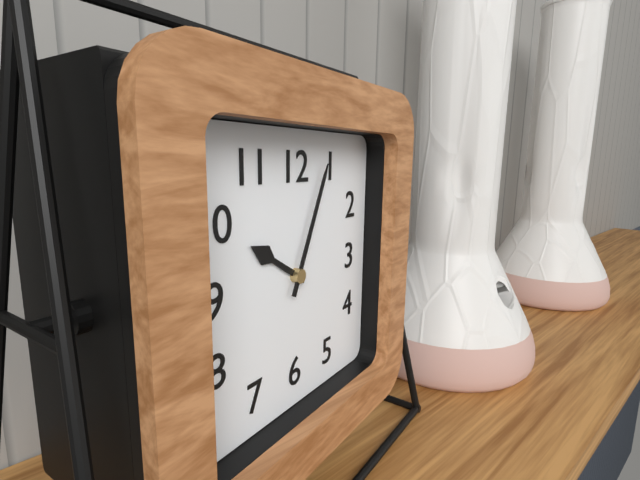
10:04
